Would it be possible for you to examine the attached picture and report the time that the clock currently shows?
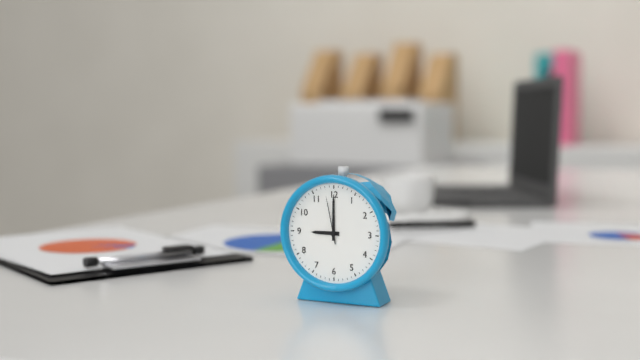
9:00
